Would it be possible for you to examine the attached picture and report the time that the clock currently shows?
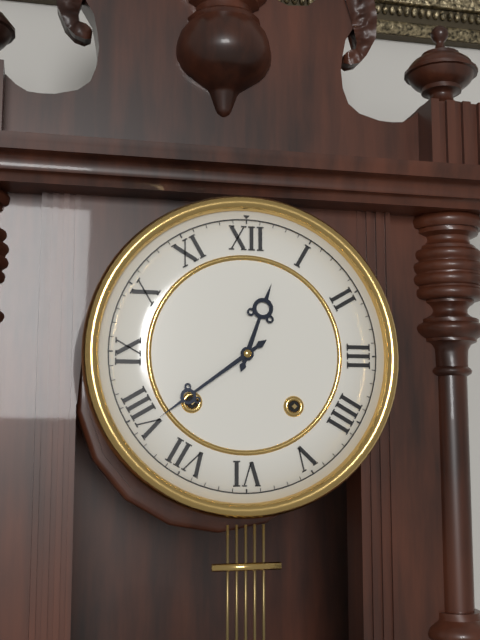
12:39
